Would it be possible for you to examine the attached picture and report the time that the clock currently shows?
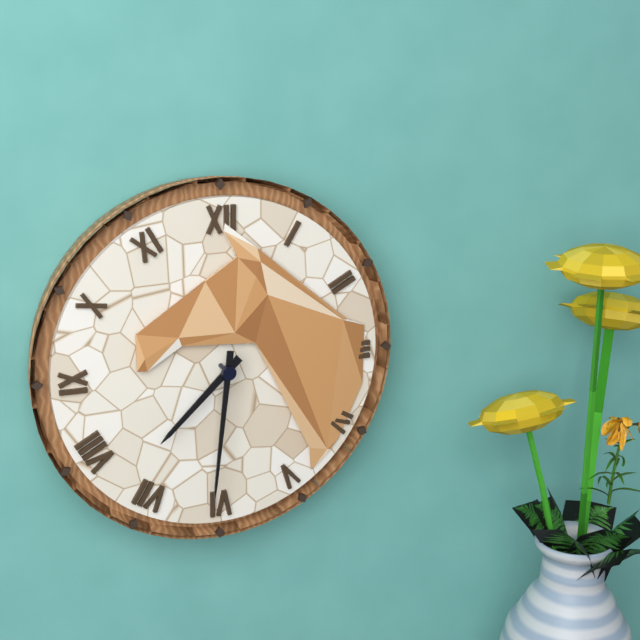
7:31
